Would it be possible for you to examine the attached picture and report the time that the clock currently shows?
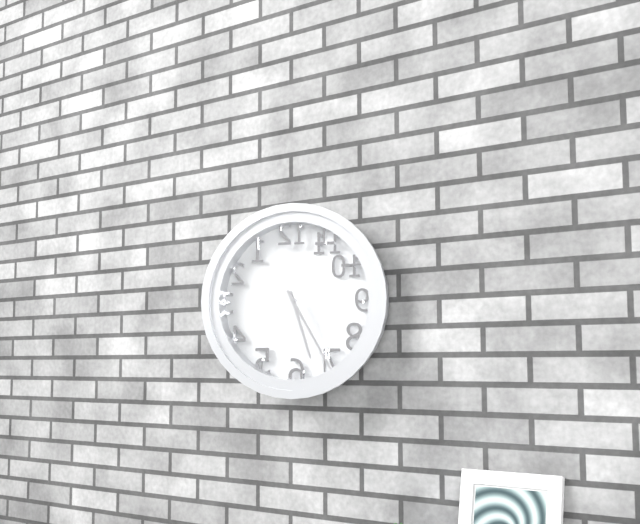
5:25
